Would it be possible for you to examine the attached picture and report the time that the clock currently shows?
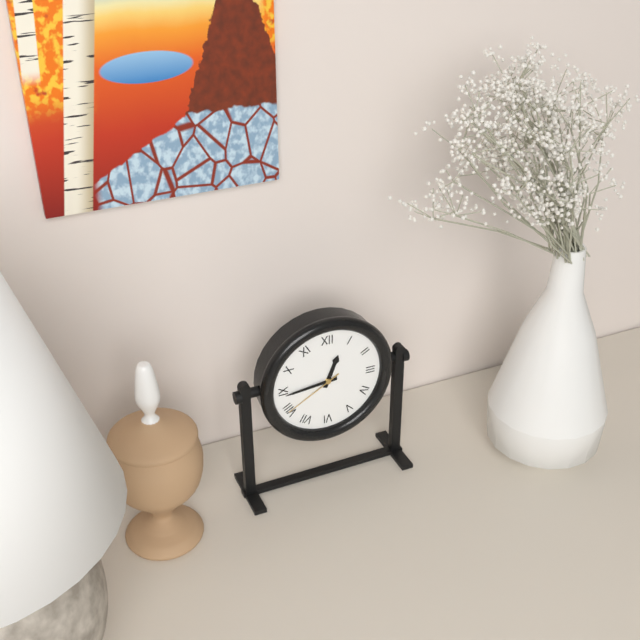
12:44:40
